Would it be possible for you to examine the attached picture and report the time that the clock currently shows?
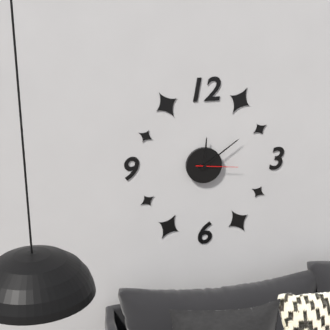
12:09
